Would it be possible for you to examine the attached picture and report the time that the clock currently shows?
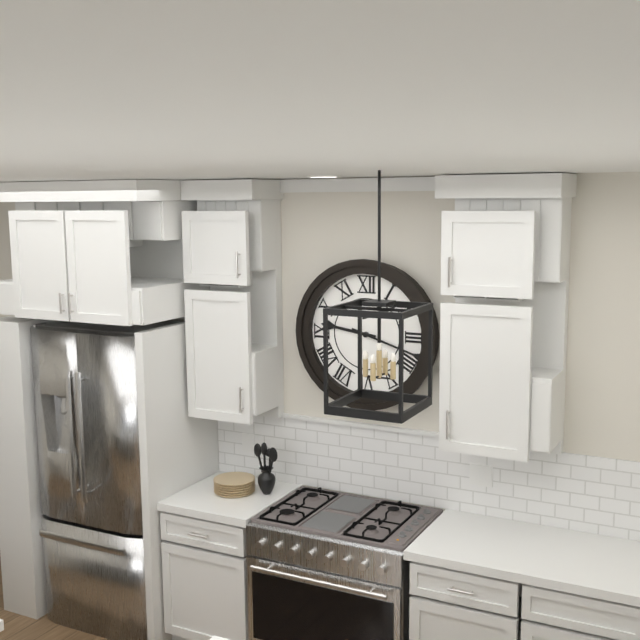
9:18
